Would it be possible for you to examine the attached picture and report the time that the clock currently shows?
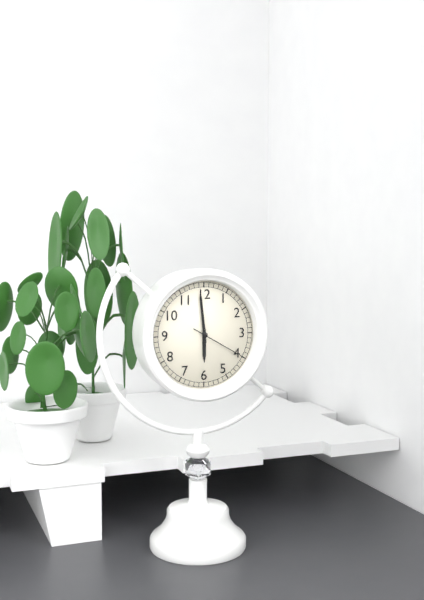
5:59:20
